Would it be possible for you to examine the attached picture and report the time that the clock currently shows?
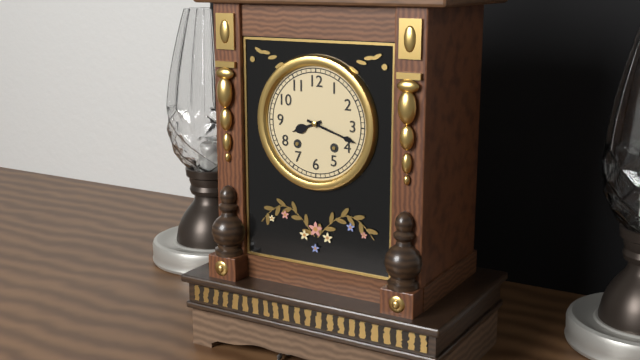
8:18
